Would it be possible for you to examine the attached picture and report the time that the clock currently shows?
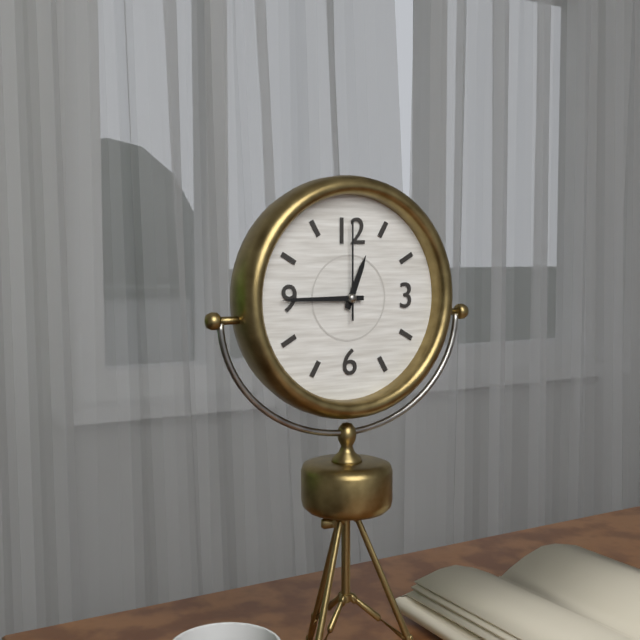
12:45:00
